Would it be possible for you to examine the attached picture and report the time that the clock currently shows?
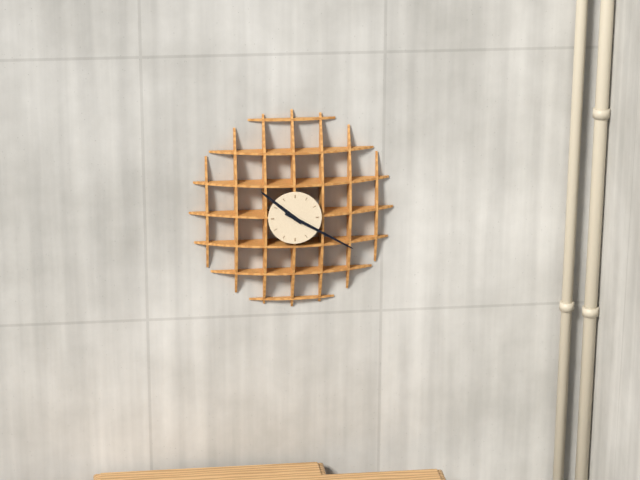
10:20
